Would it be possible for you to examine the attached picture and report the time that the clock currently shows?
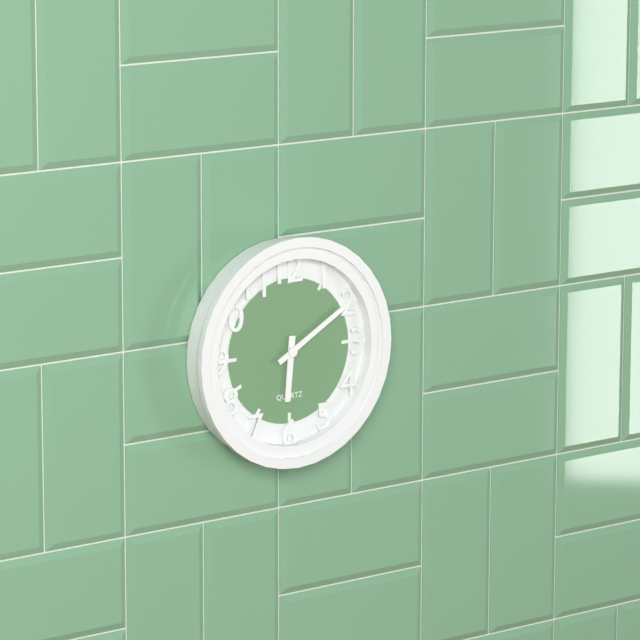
6:10
